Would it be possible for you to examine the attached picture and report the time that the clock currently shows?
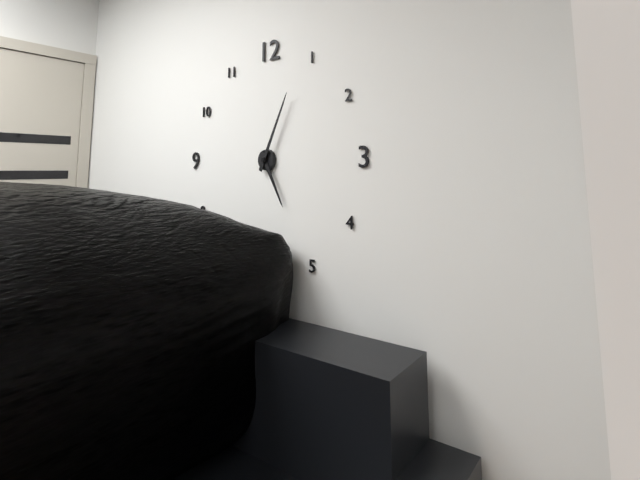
5:04
